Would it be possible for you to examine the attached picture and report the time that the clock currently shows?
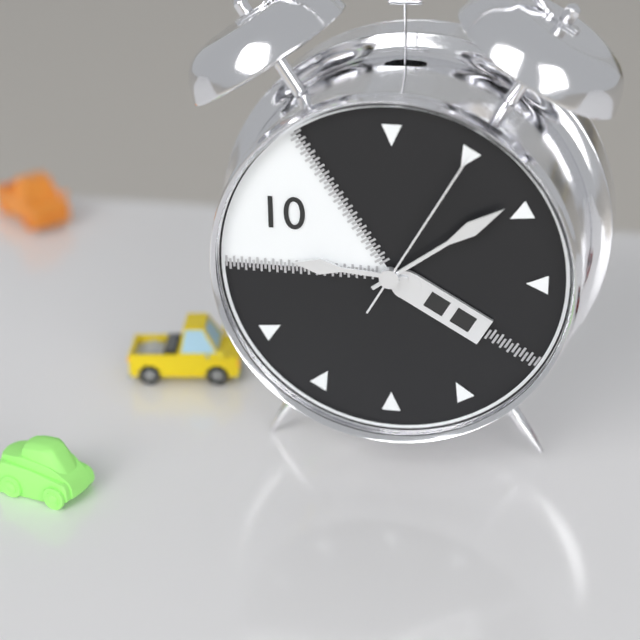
9:09:05
